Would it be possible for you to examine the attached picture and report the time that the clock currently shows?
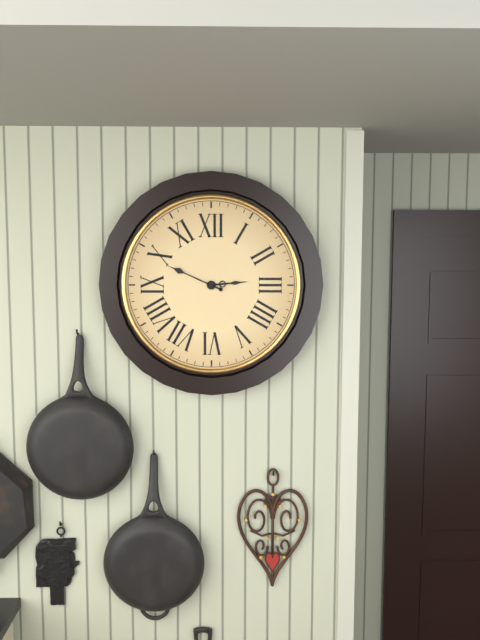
2:49
